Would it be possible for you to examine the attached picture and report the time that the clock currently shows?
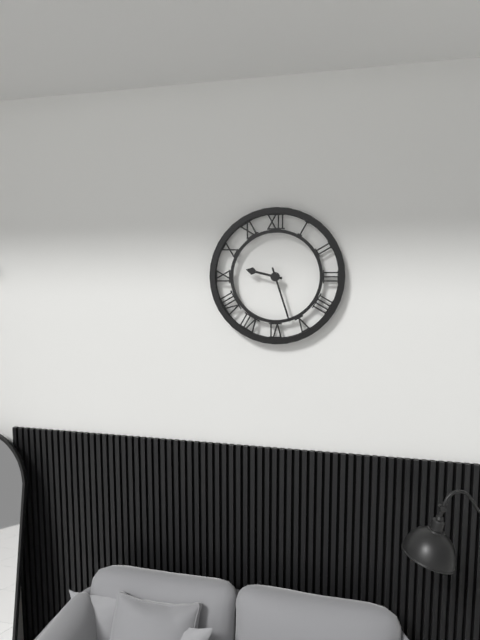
9:27
